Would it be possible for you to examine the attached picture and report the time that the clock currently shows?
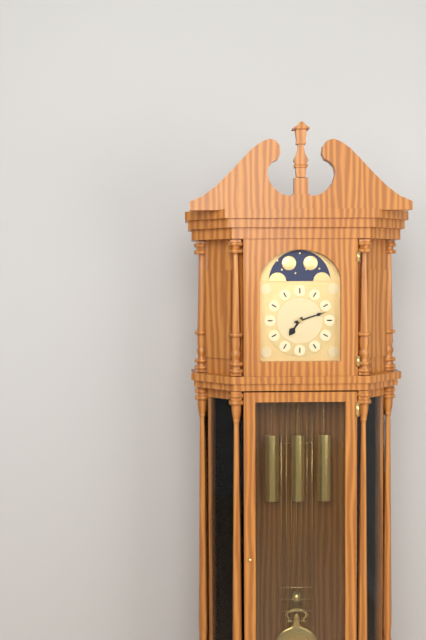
7:12
